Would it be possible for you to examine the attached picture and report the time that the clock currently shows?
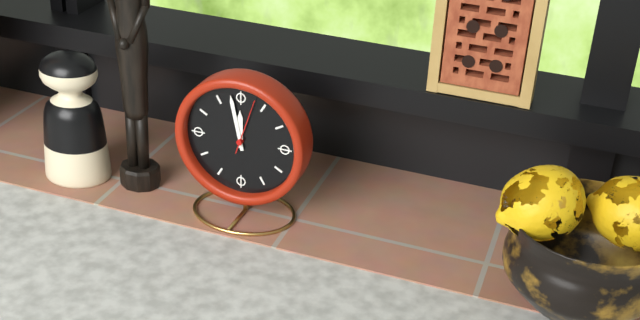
11:58:03
